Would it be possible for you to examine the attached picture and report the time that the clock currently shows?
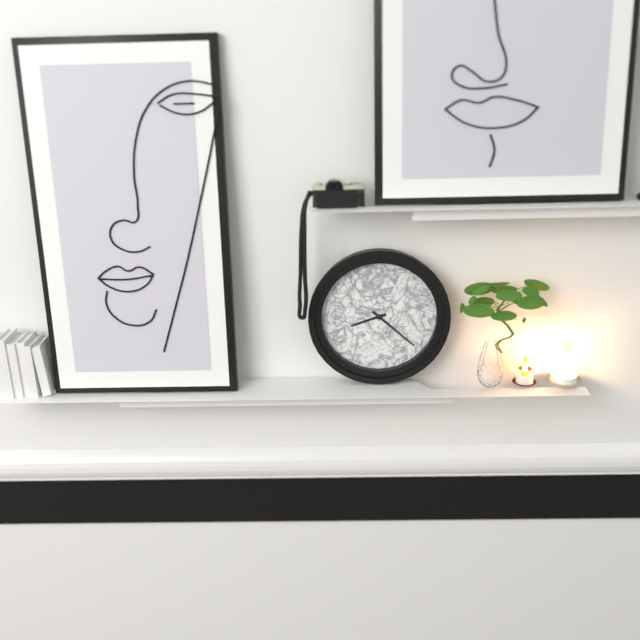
8:22
